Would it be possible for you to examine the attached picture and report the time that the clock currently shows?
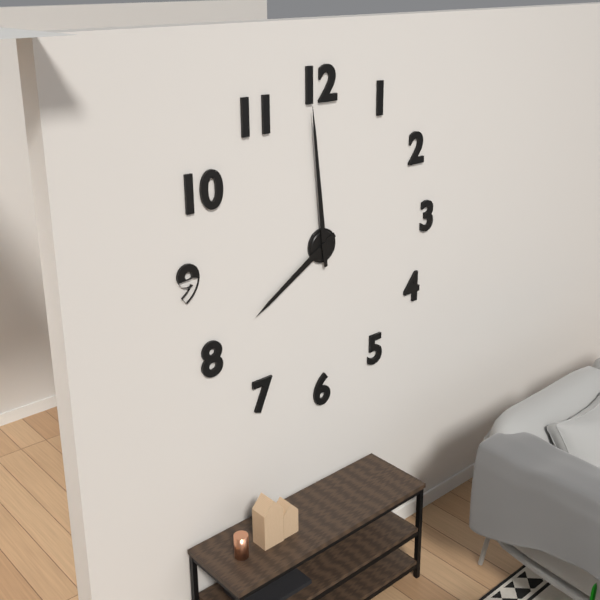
7:59
